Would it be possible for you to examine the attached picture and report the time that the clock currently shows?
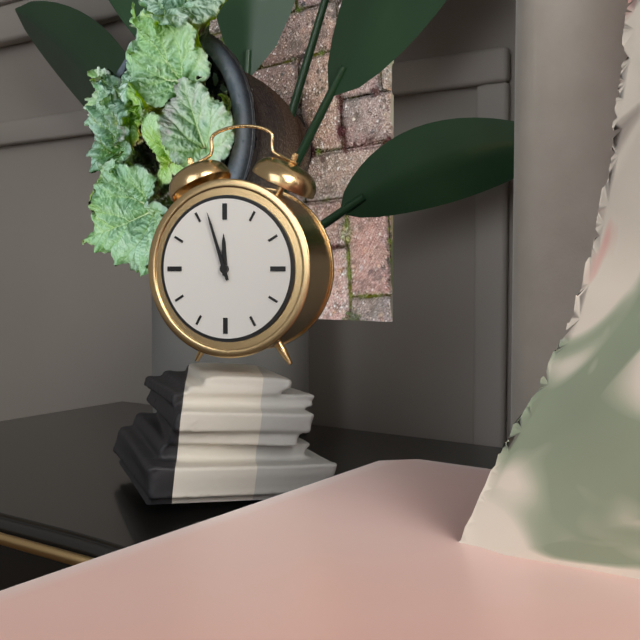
11:57
